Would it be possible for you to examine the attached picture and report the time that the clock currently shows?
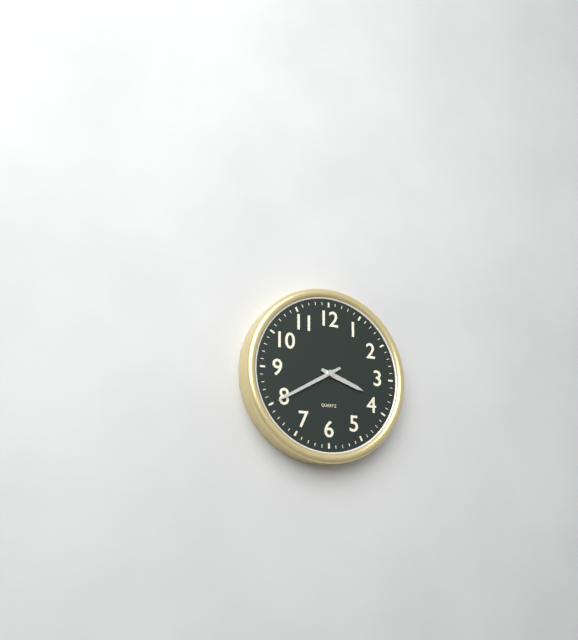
3:40
